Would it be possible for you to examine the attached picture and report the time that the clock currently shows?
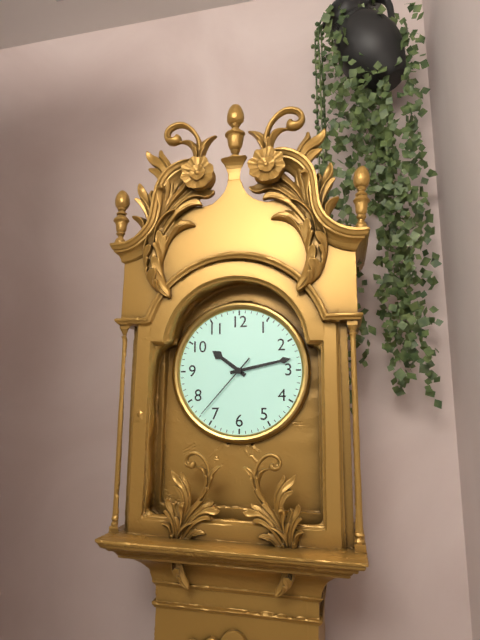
10:13:37
